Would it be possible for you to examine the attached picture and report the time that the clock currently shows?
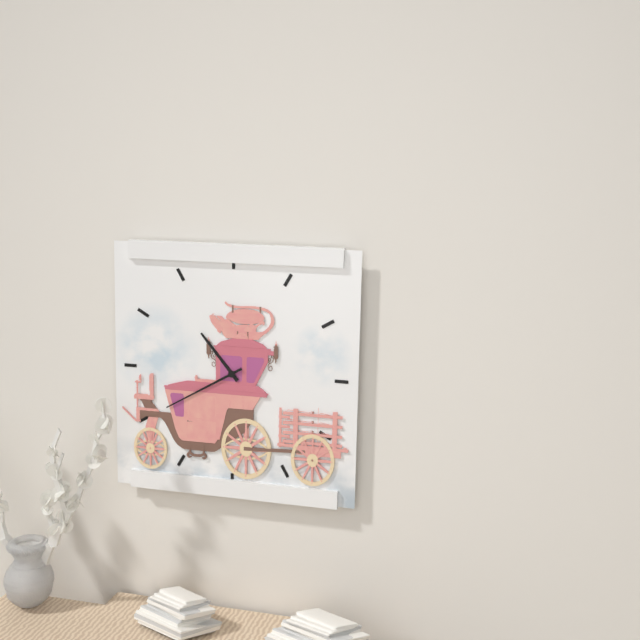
10:40
